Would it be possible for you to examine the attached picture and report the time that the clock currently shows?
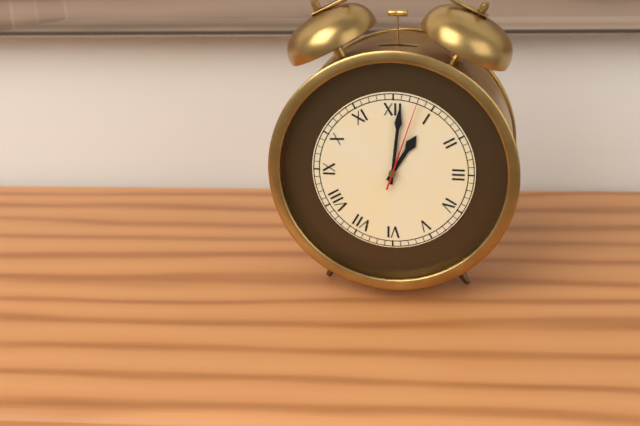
1:01:03
